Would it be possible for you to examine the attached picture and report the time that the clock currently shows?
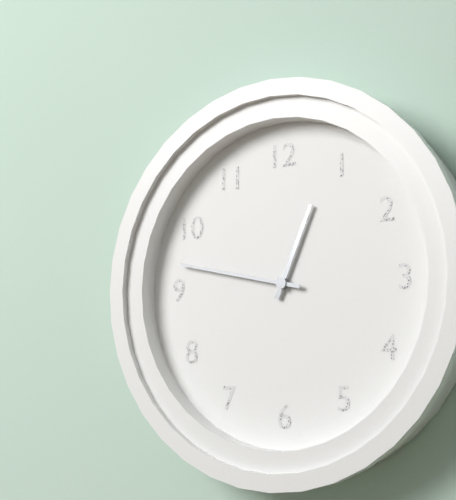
12:47
